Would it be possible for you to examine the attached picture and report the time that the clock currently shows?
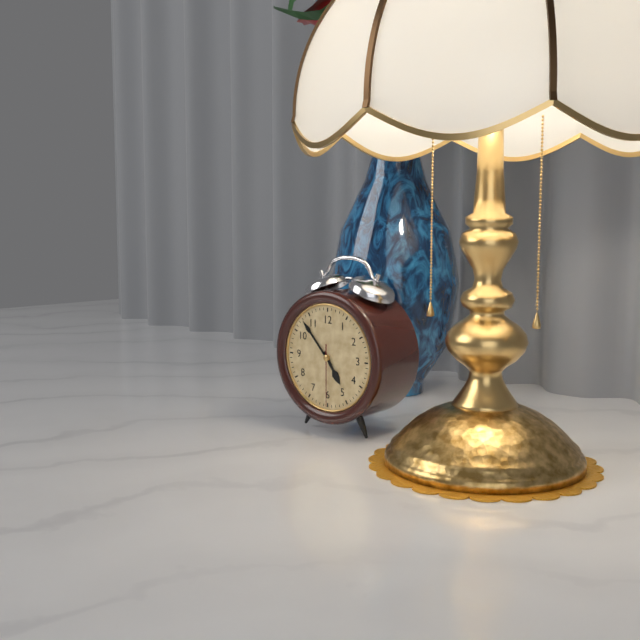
4:53:30
